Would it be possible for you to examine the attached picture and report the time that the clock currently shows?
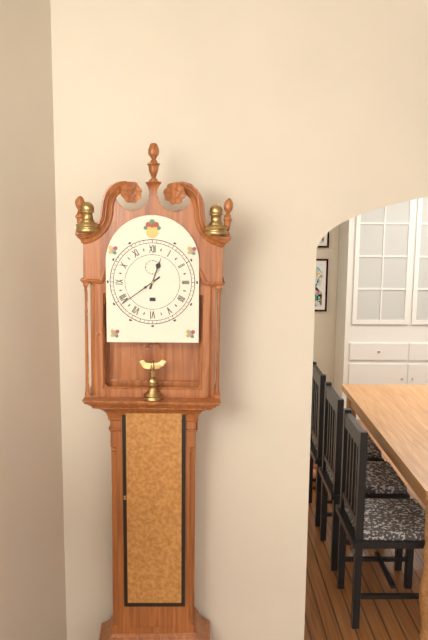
12:39
